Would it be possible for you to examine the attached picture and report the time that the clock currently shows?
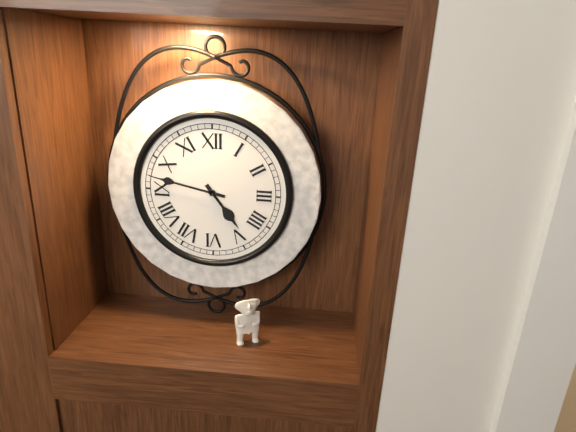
4:47
